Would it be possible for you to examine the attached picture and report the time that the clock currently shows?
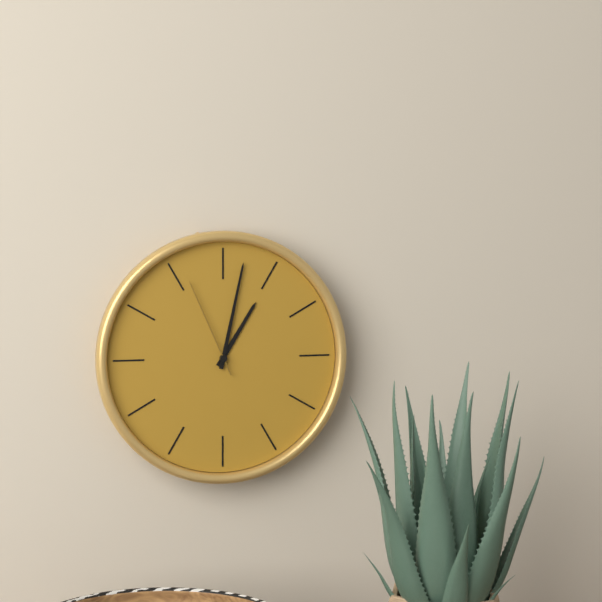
1:02:56
